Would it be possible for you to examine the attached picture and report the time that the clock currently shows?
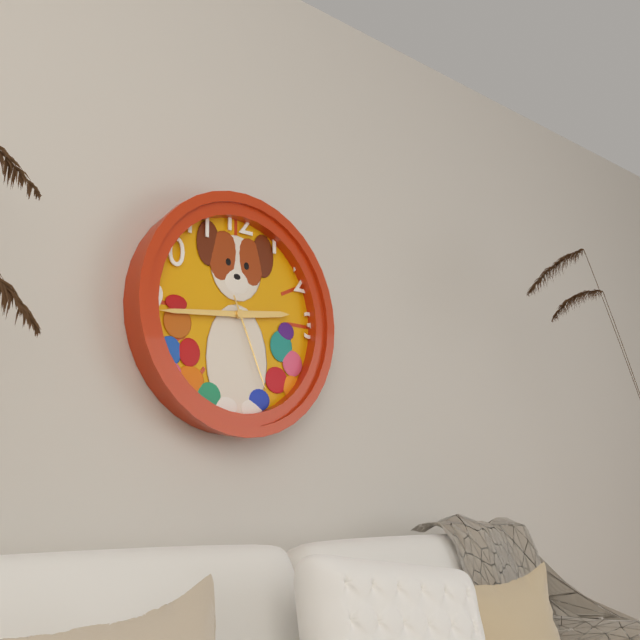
2:44:26
